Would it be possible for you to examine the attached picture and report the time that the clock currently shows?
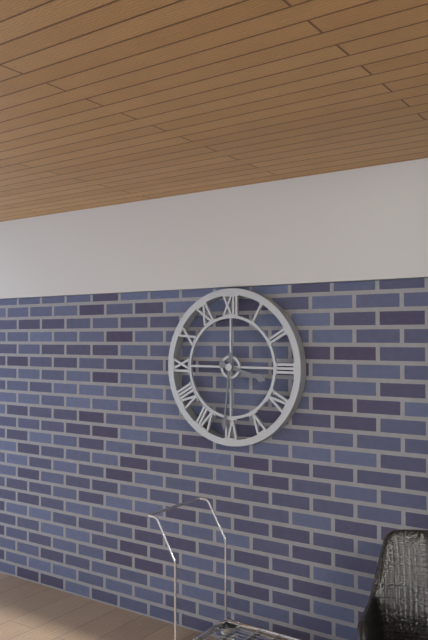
3:31
